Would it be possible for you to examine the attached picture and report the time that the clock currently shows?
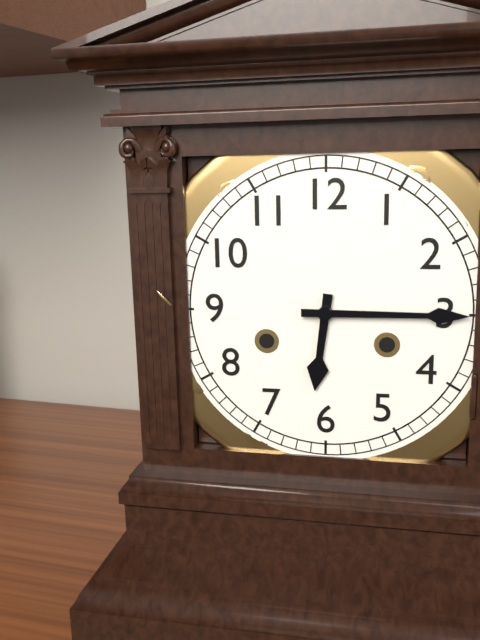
6:15
